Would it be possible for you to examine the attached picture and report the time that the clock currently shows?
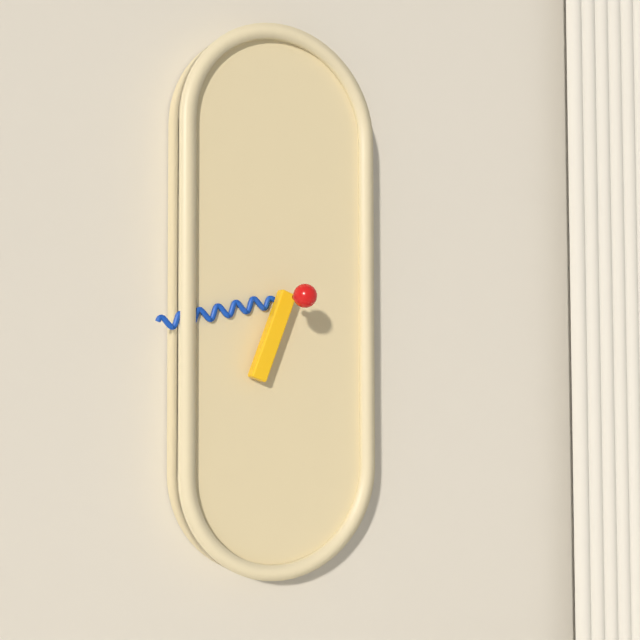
6:43
